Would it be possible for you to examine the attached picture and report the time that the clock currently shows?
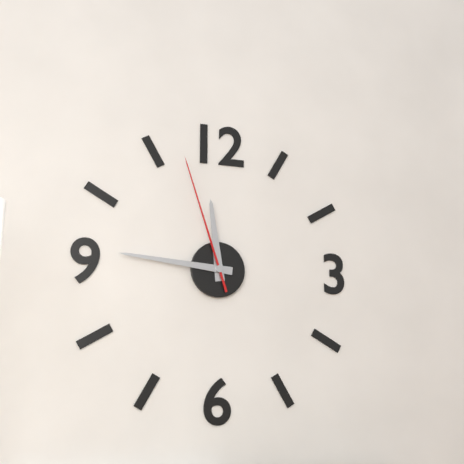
11:46:57
